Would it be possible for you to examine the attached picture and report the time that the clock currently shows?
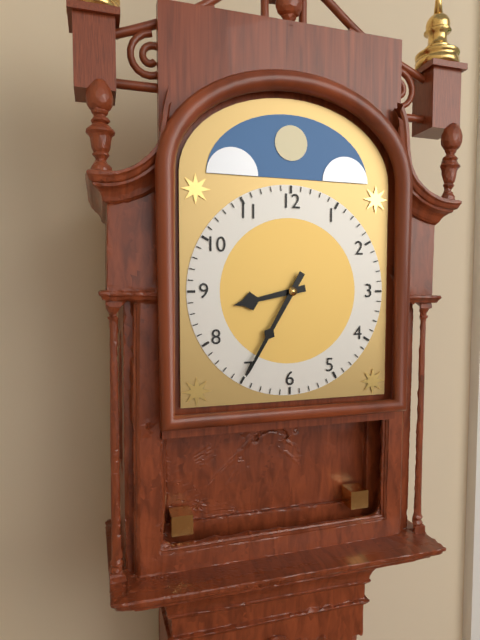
8:35
